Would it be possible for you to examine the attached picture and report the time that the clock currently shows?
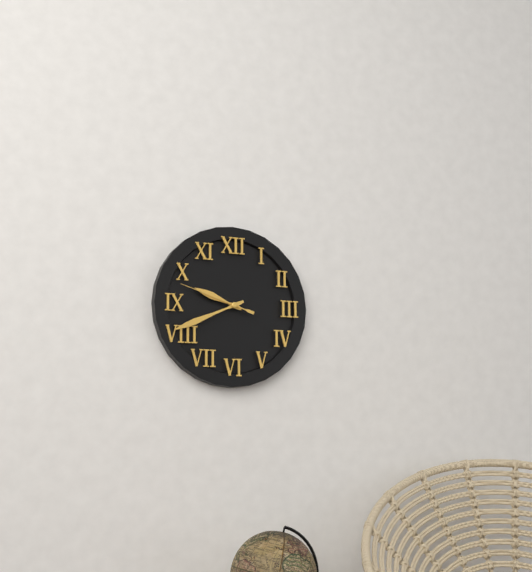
9:41:48
